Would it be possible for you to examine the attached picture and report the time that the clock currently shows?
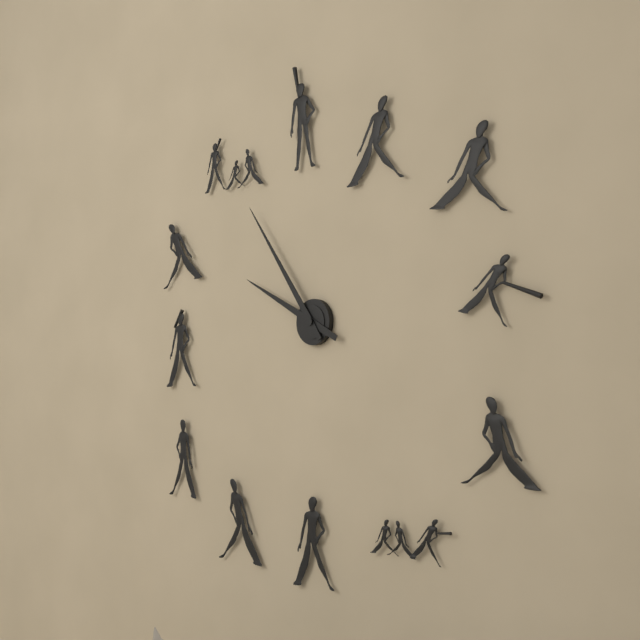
9:54
